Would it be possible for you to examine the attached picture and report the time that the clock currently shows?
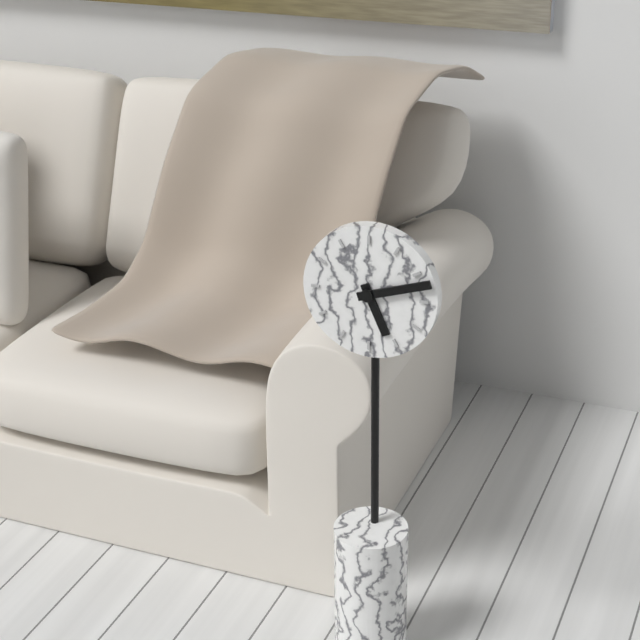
5:12
